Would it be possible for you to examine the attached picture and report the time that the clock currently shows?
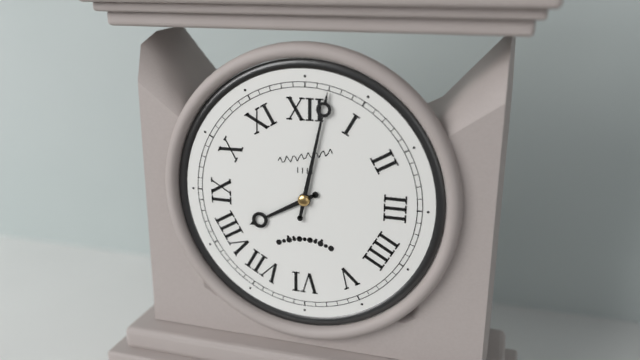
8:02
